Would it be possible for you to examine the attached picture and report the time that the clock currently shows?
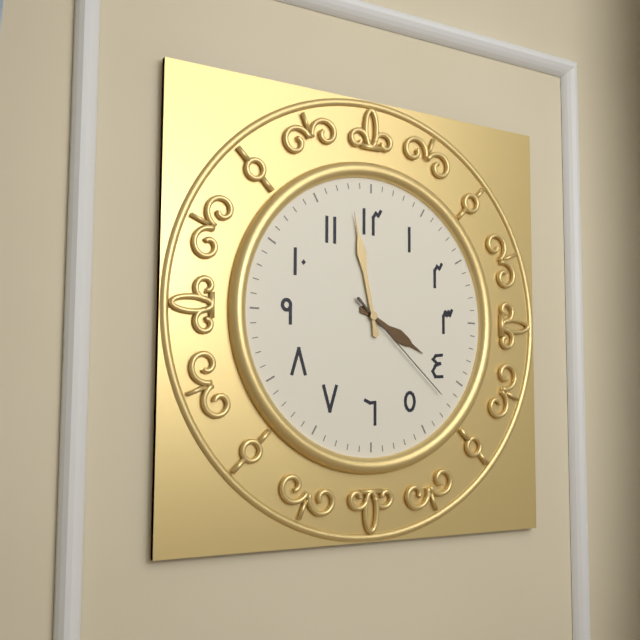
3:58:22
